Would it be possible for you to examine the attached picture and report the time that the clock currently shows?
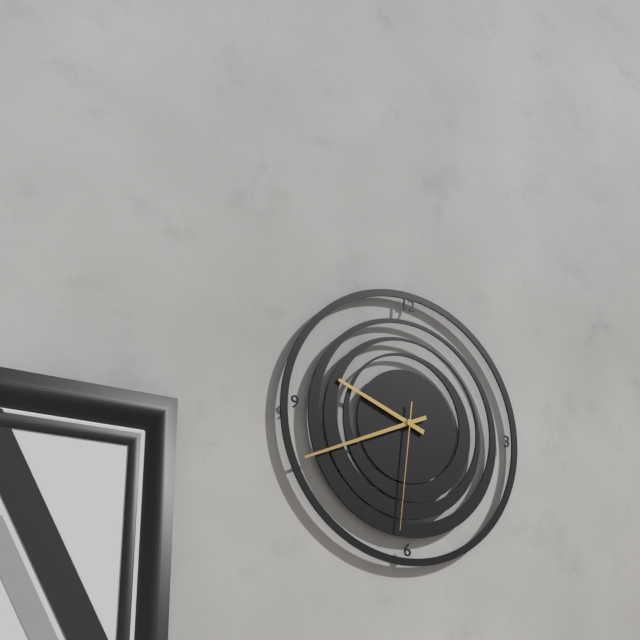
9:41:31
